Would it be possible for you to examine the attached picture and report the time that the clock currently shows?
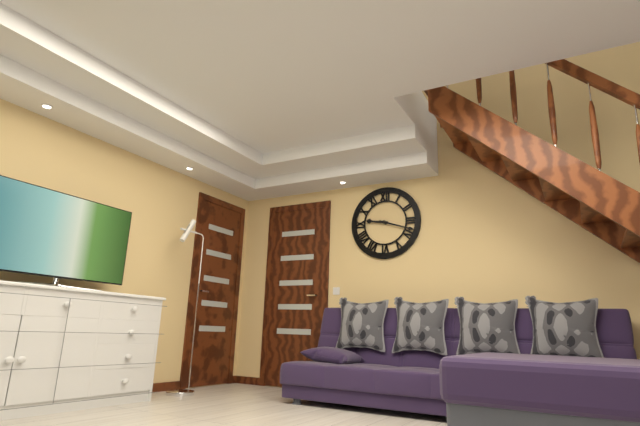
9:18
